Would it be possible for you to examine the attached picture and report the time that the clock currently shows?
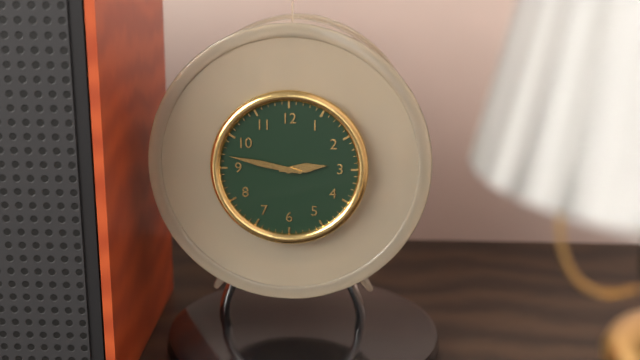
2:47
